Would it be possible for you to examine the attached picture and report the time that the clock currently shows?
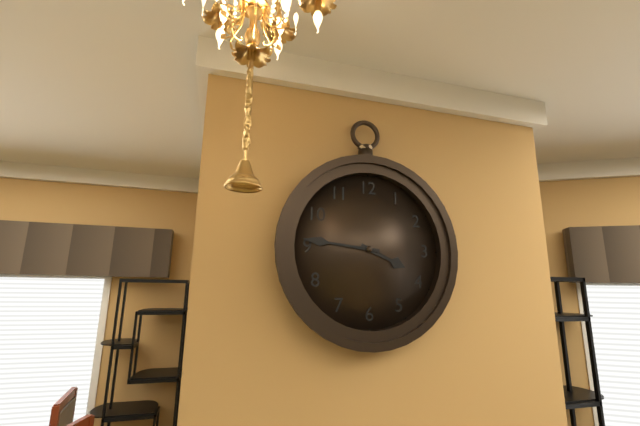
3:46
